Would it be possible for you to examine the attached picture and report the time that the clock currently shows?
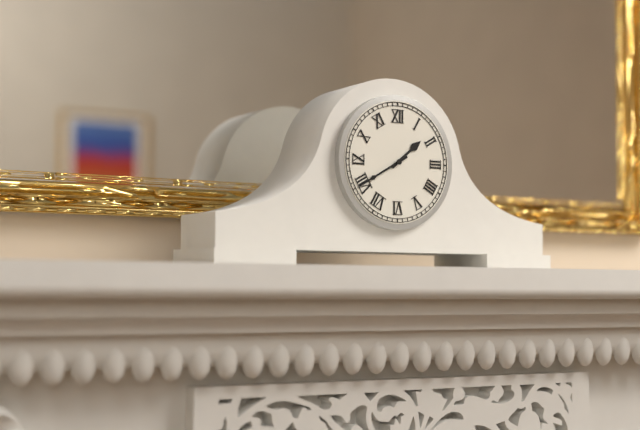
1:40
